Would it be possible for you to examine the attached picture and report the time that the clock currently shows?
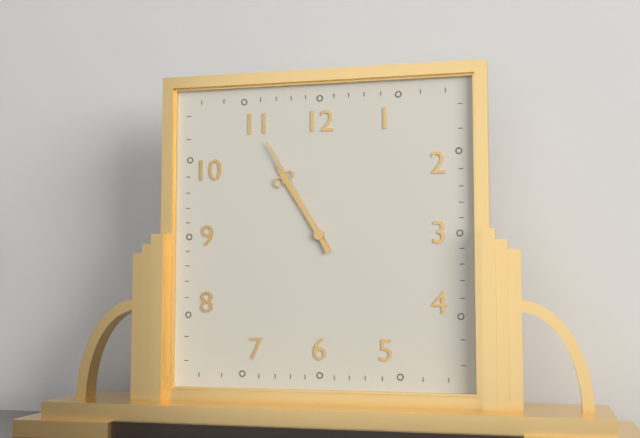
10:55
